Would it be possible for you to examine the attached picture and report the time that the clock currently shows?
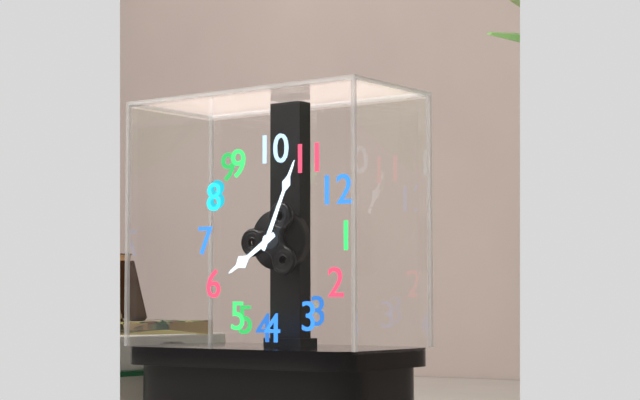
5:54
